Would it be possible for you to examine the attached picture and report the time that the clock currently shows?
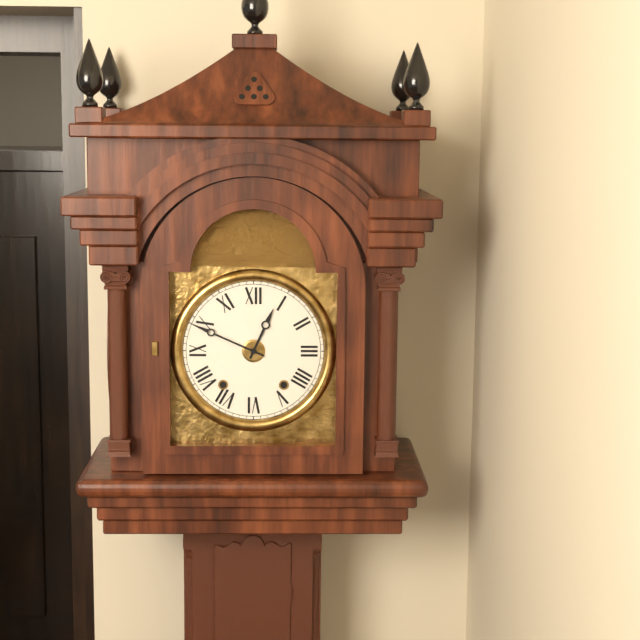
12:49
